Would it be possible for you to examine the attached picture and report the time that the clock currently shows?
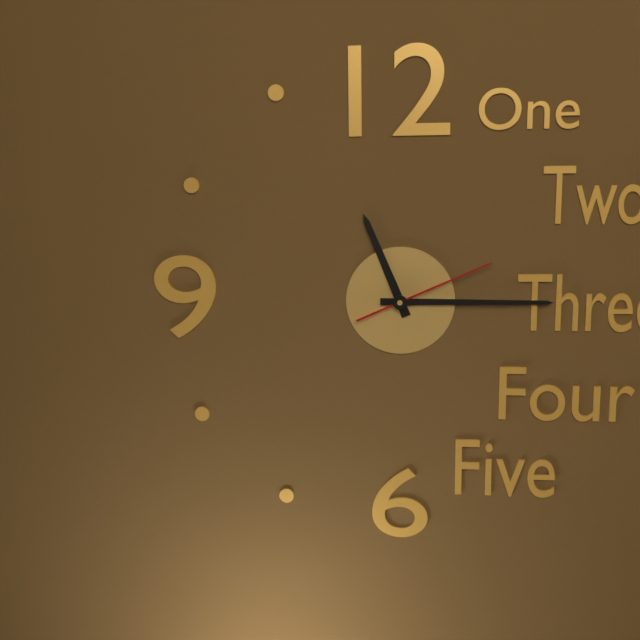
11:15:11
